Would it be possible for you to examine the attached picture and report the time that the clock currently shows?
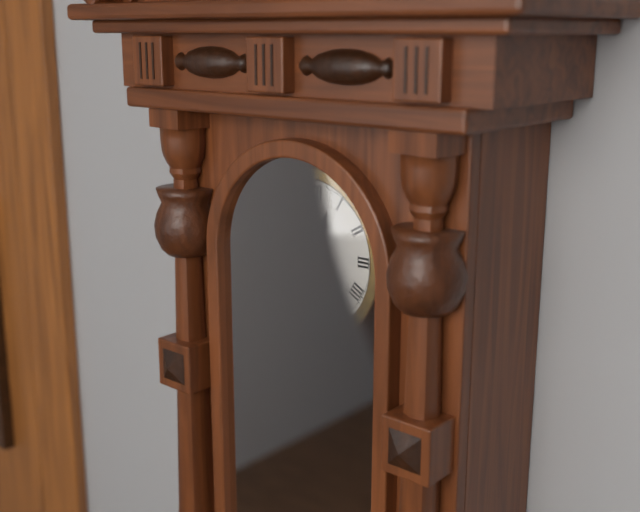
12:39
